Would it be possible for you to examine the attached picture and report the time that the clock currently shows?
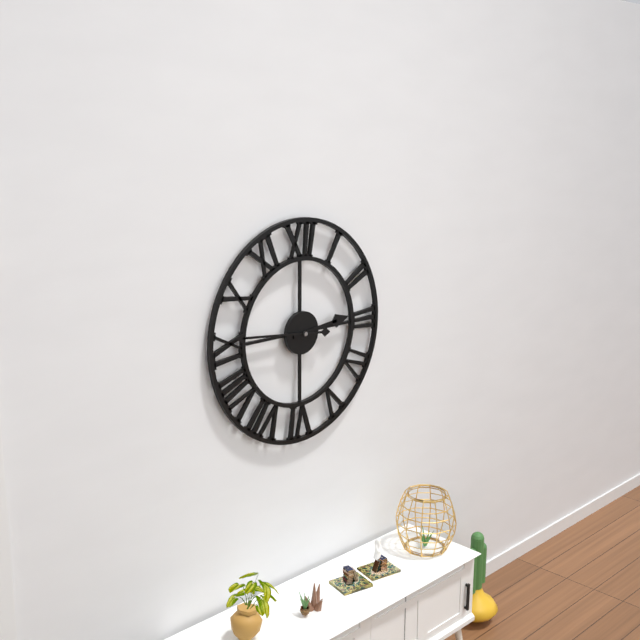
2:46
